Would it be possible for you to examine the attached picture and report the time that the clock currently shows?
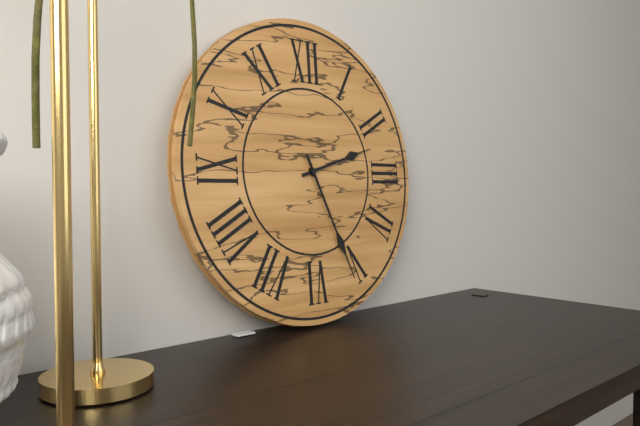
2:26
